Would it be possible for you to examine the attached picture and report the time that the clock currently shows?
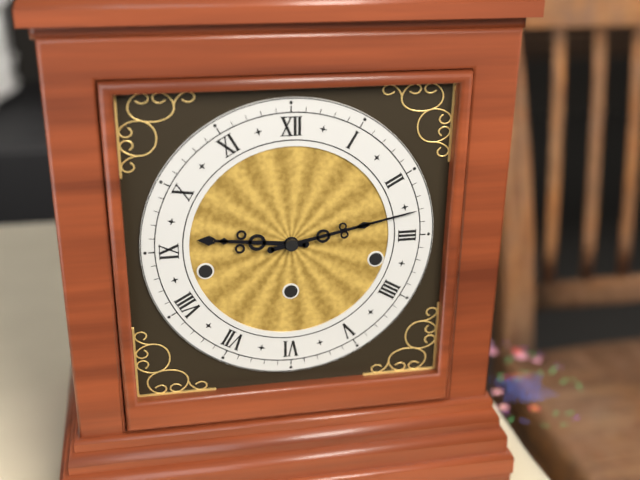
9:13
